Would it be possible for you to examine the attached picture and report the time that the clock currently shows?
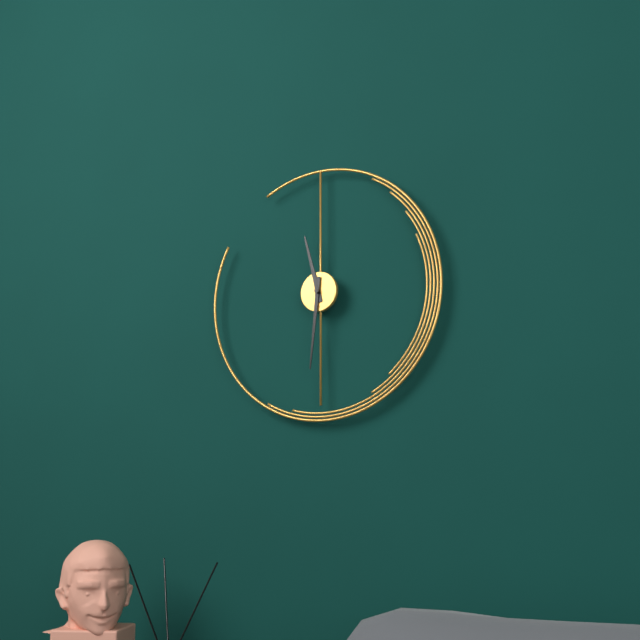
11:31
